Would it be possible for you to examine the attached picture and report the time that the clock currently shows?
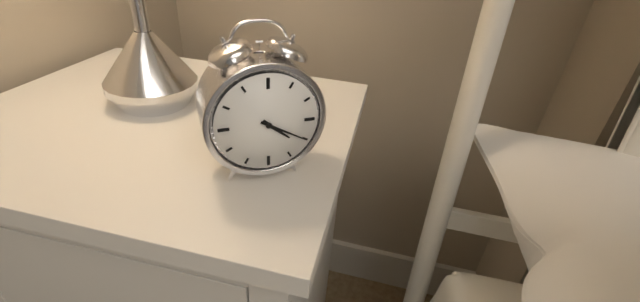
4:20
